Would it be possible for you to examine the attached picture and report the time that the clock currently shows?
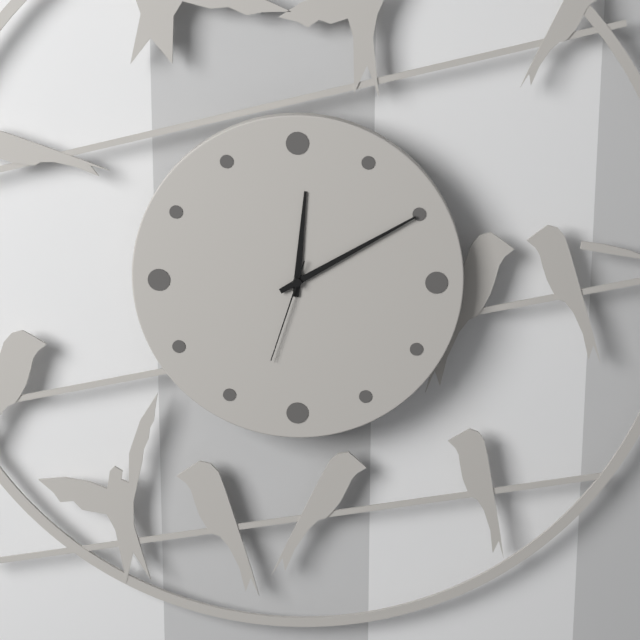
12:10:33
